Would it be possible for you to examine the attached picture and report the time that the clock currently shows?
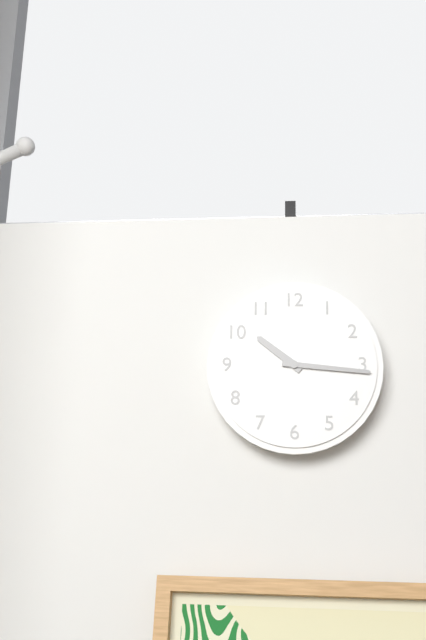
10:16
